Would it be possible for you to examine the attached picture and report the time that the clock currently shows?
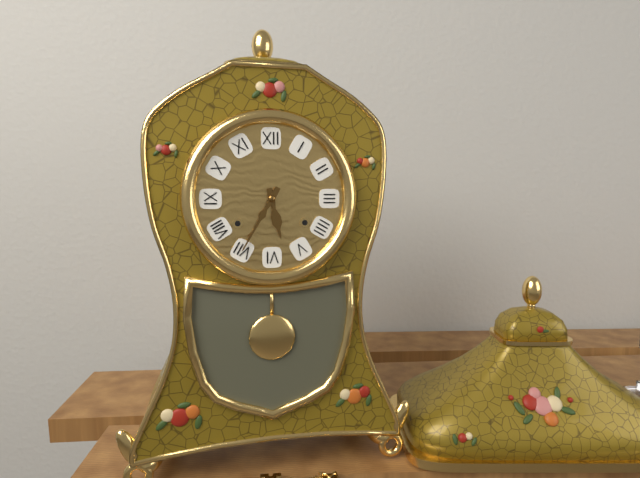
5:35
